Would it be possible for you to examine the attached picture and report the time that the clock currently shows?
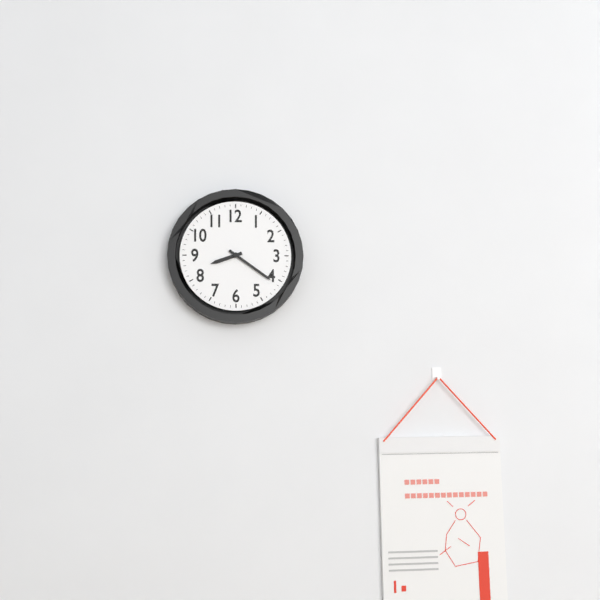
8:21
